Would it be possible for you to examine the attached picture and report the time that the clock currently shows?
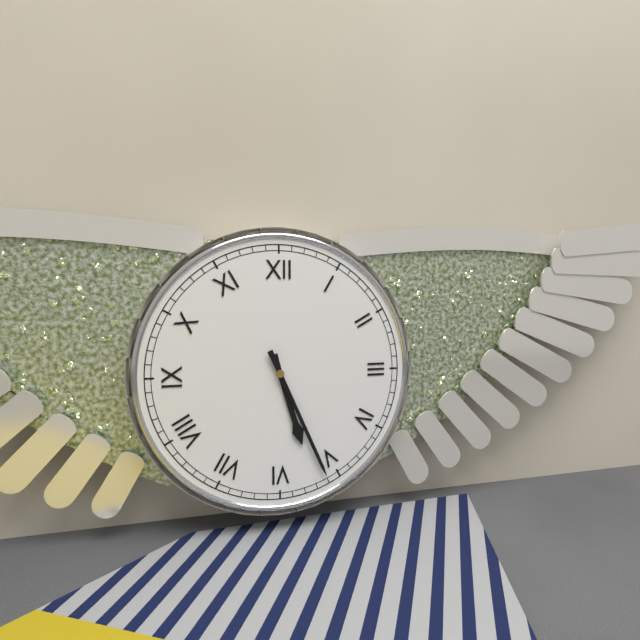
5:26
